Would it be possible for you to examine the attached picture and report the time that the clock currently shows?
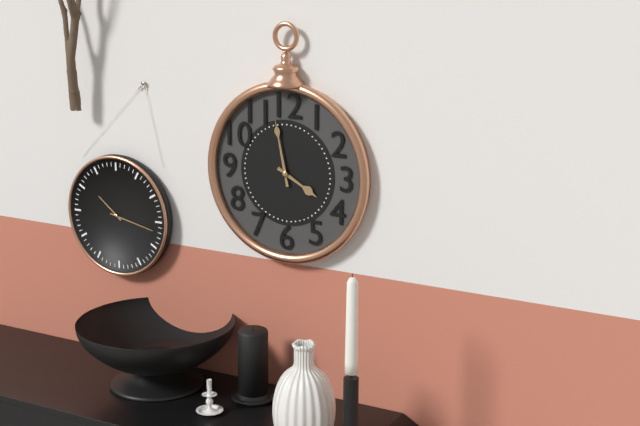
3:58
